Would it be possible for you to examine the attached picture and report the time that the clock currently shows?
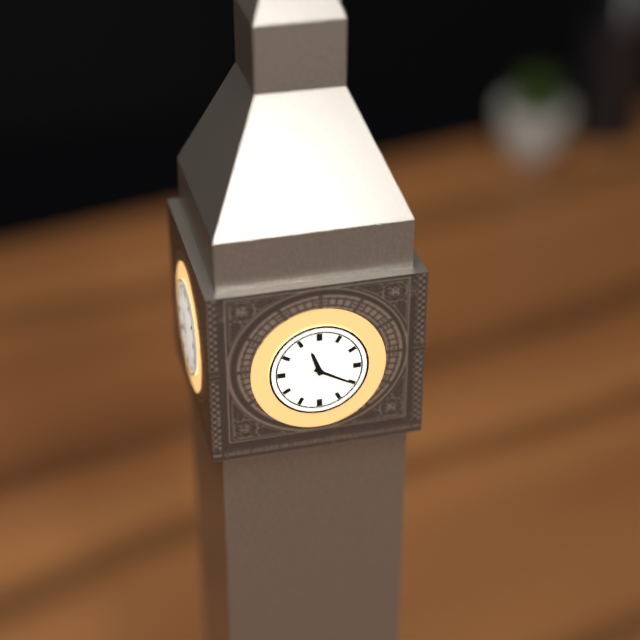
11:20
